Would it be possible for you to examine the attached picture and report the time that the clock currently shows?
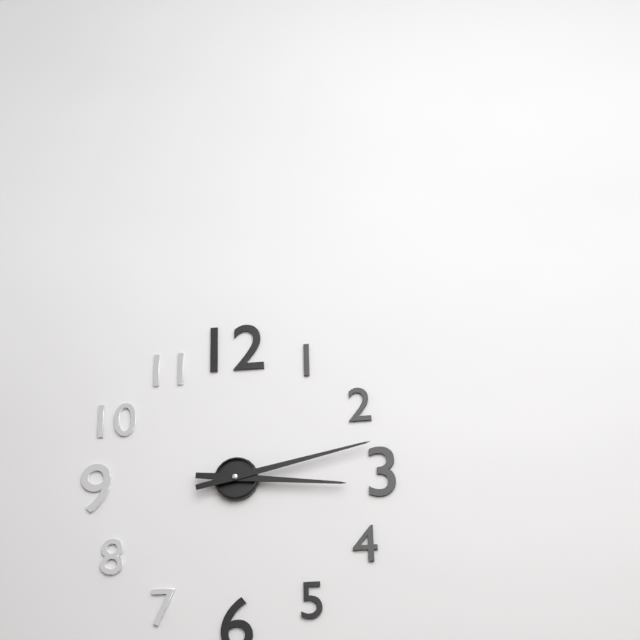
3:13
